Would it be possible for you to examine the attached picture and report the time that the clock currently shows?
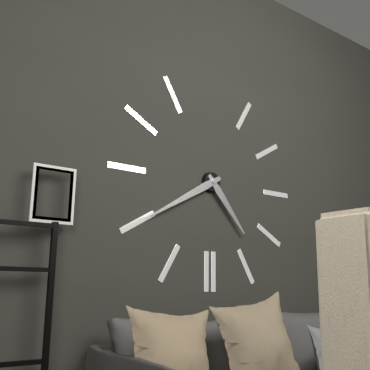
4:40
